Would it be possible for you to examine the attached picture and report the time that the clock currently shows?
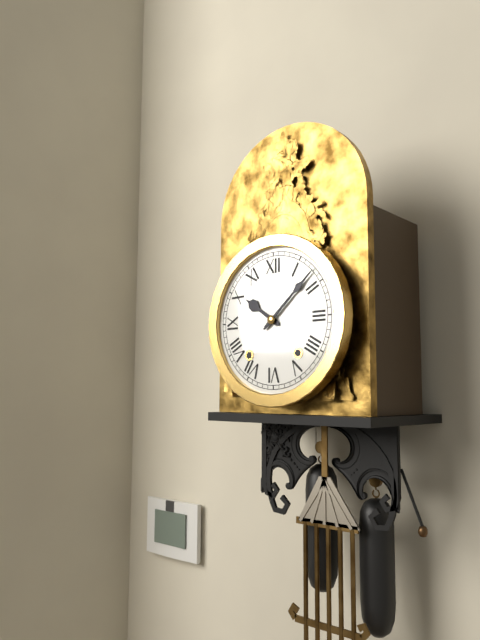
10:08
